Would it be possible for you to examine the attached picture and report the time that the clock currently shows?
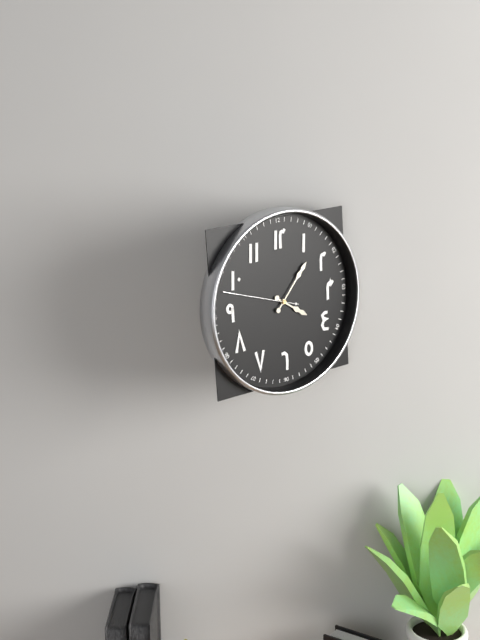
4:07:48
